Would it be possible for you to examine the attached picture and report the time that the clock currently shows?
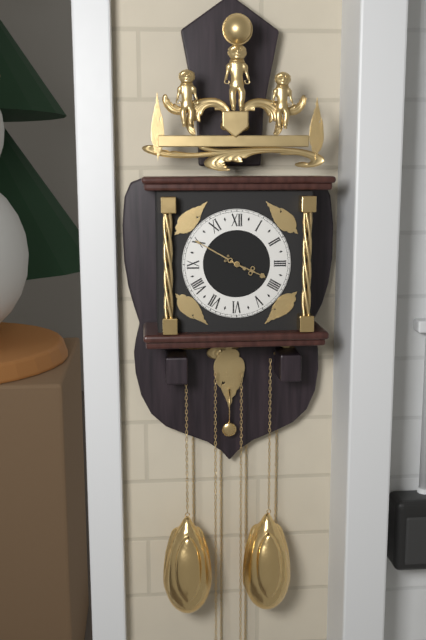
3:50
